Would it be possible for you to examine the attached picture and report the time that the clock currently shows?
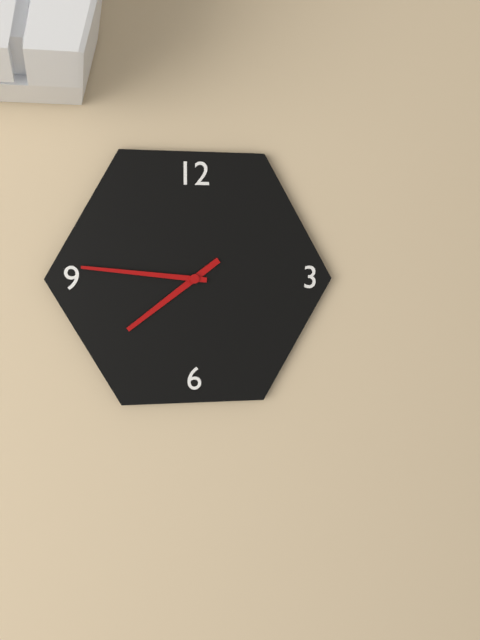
7:46
